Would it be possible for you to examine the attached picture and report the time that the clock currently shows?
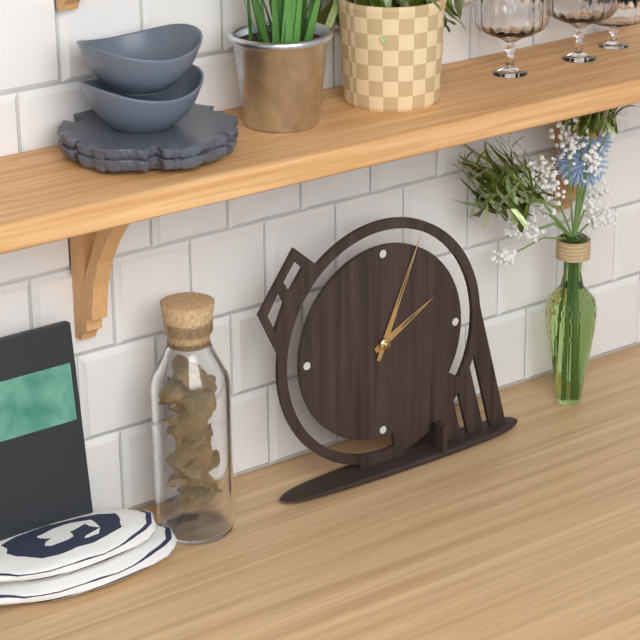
2:04
